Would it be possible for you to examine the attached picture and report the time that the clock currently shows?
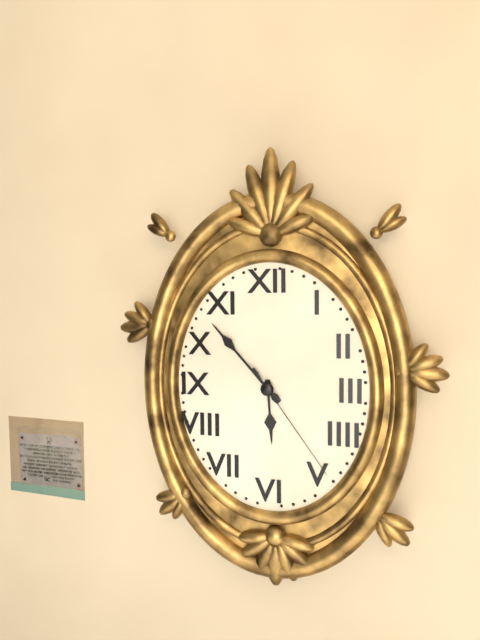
5:53:24
